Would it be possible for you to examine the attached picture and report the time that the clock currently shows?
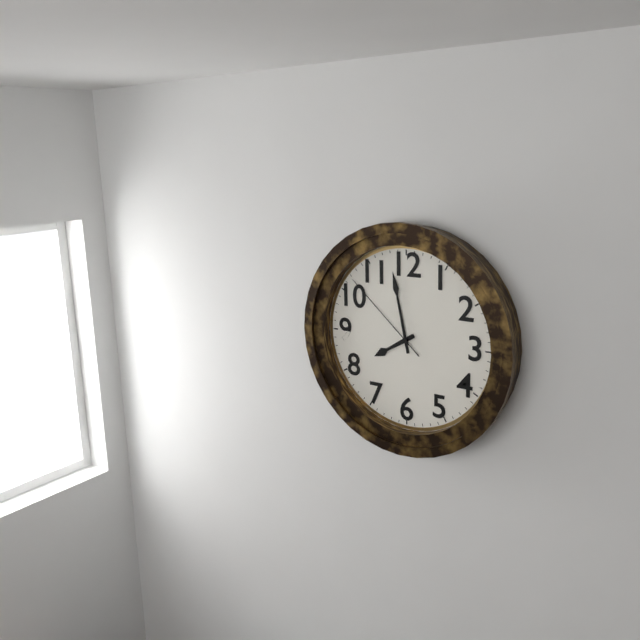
7:58:52
